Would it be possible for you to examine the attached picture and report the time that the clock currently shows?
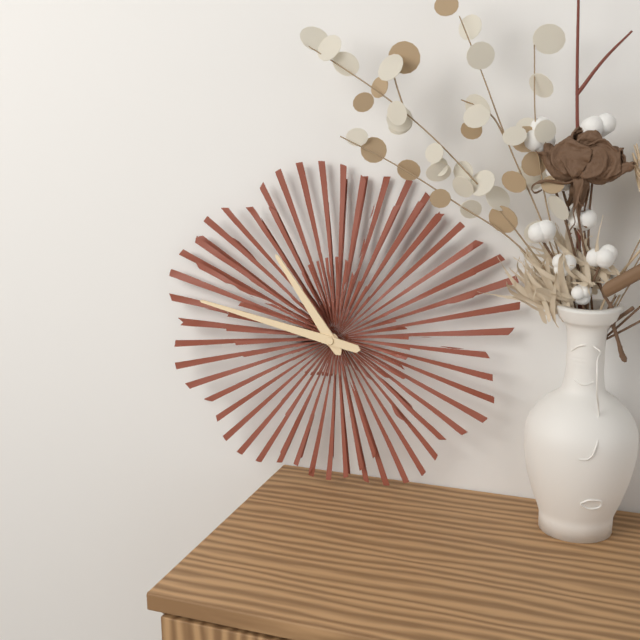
10:47
